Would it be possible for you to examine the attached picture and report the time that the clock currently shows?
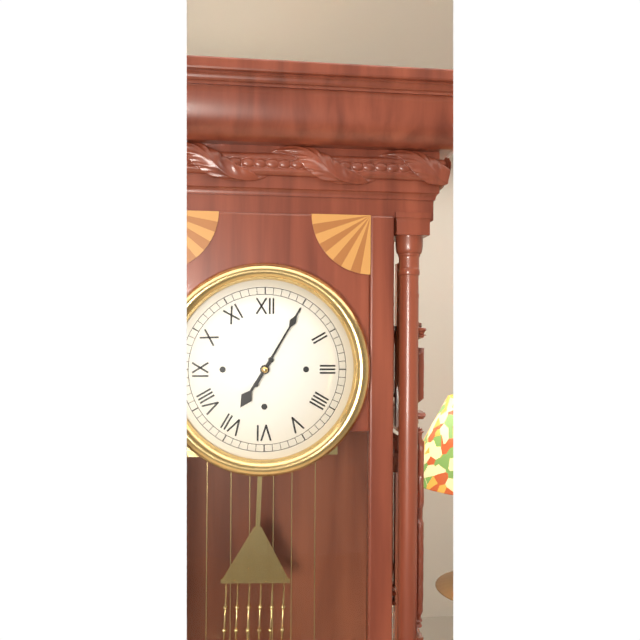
7:05
